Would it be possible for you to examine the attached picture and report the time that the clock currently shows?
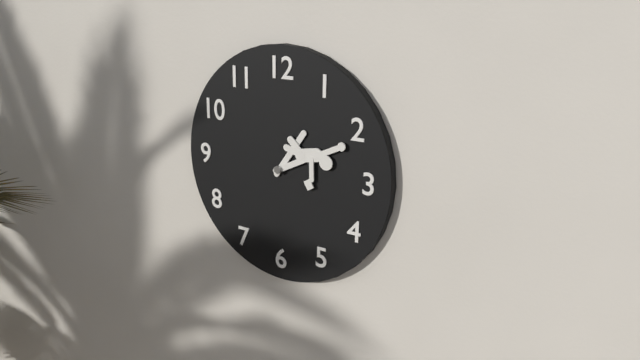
1:10
